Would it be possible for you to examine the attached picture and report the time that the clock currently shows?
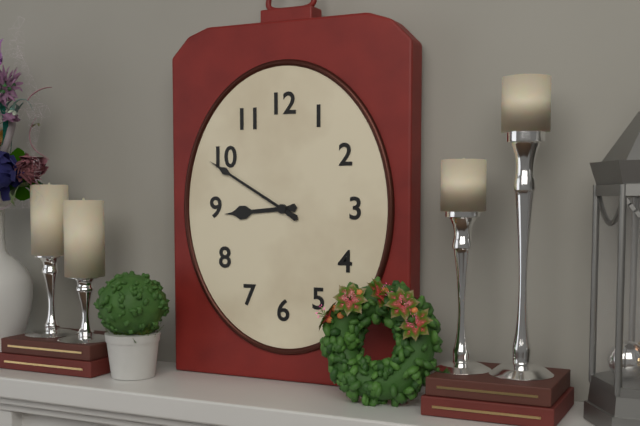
8:50
